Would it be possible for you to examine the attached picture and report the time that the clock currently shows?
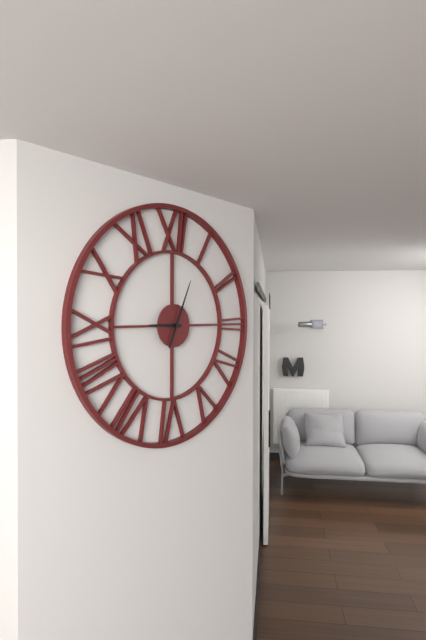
9:04
